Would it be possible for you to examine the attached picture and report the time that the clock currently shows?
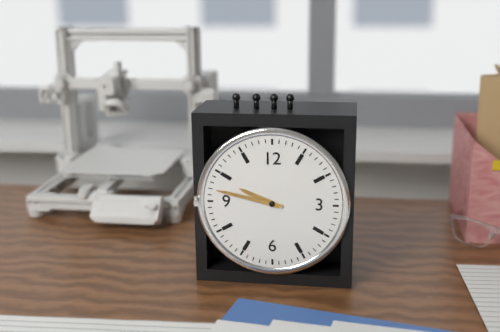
9:47
